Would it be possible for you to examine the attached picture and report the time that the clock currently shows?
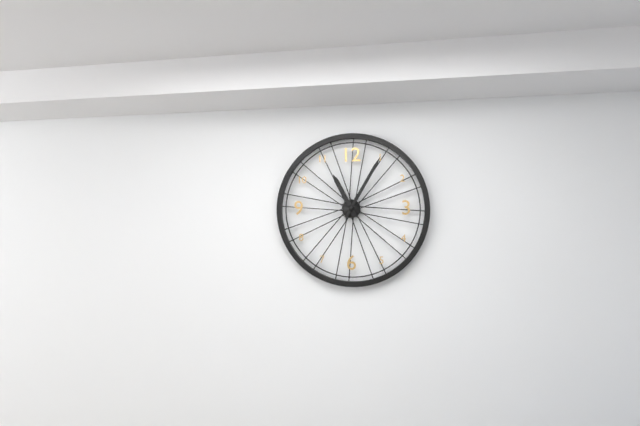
11:05
